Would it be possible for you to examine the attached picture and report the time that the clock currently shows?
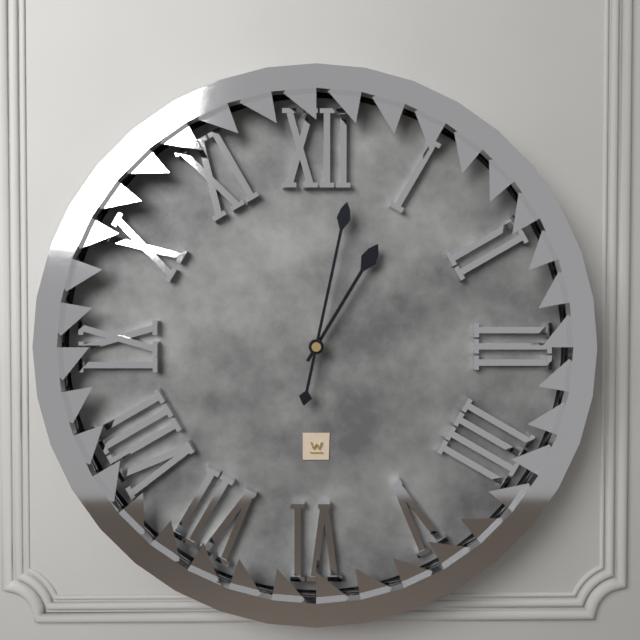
1:02
